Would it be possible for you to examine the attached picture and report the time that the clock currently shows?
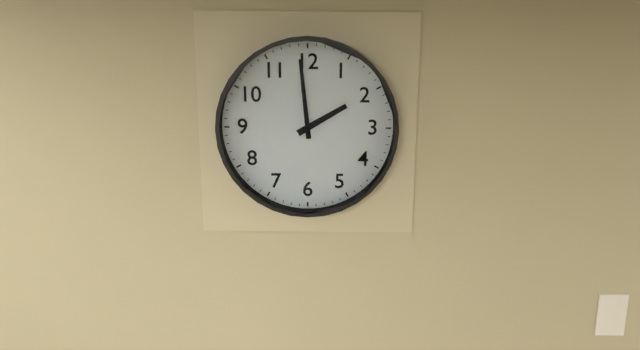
1:59
